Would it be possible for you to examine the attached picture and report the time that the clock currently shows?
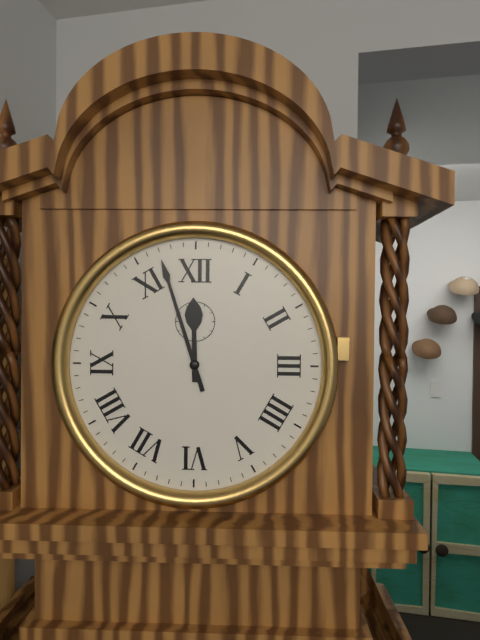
11:57
